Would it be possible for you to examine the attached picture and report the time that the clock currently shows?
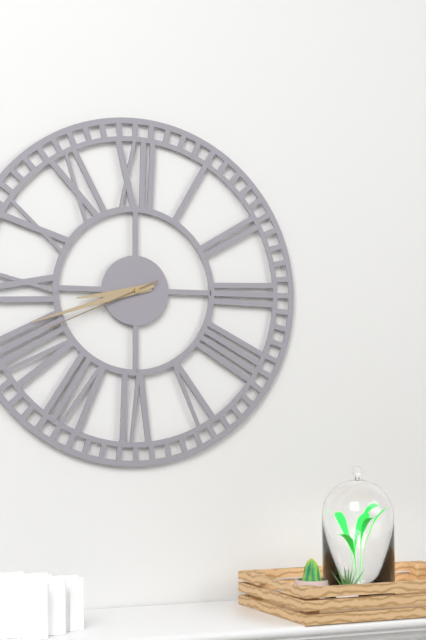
8:42:41
